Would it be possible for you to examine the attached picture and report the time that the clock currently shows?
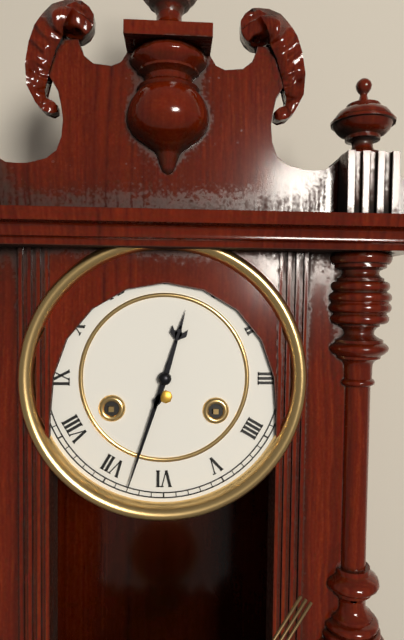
12:33
